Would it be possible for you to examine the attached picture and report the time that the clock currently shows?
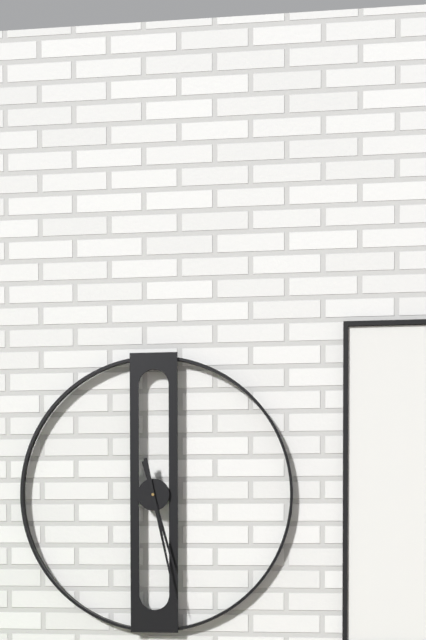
5:28
